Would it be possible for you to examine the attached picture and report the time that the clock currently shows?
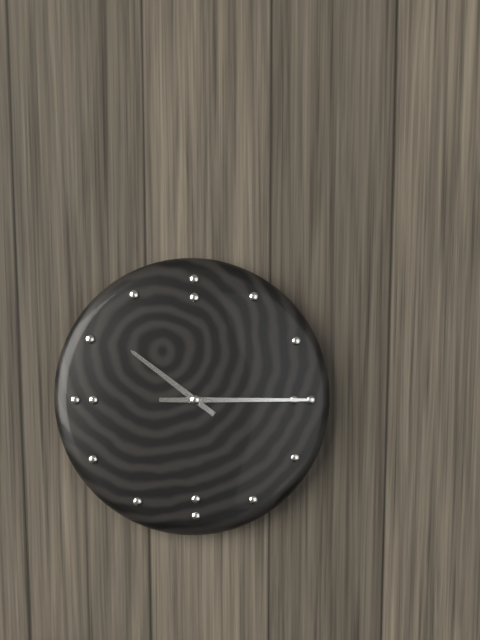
10:15
